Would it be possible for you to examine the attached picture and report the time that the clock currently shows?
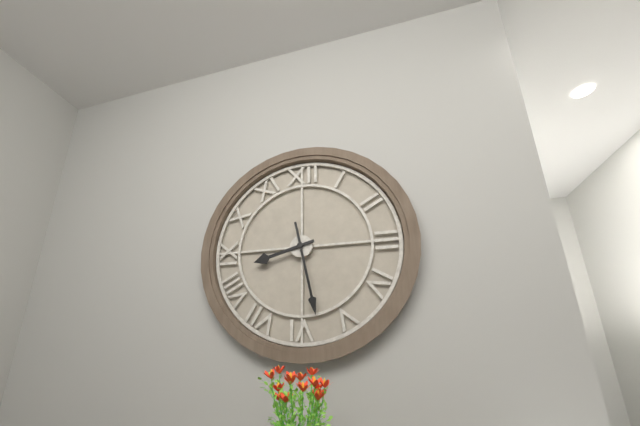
8:28
